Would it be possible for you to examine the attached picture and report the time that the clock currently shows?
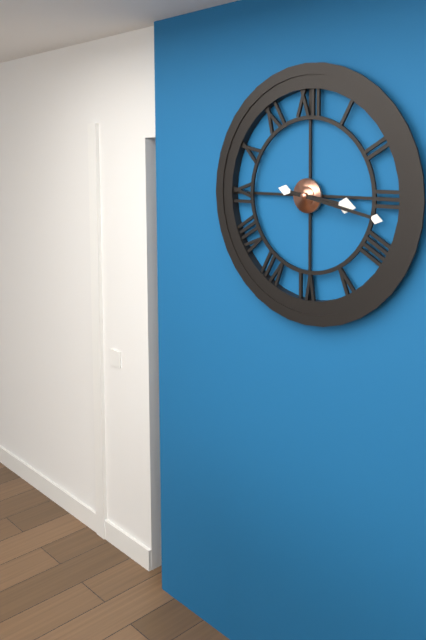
3:17
